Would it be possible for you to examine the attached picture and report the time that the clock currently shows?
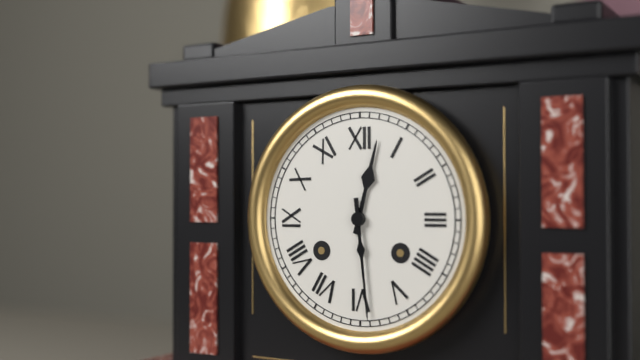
12:29
